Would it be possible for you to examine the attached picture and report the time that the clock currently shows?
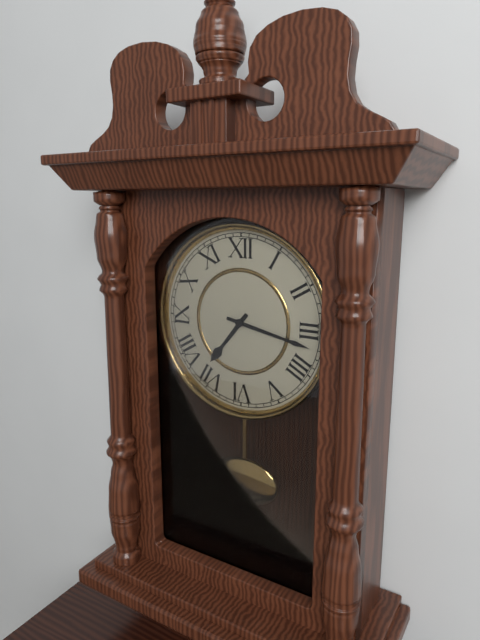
7:17
